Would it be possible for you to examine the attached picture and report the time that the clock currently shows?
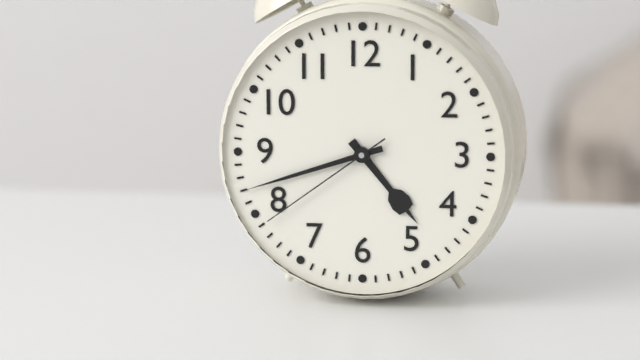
4:42:39
